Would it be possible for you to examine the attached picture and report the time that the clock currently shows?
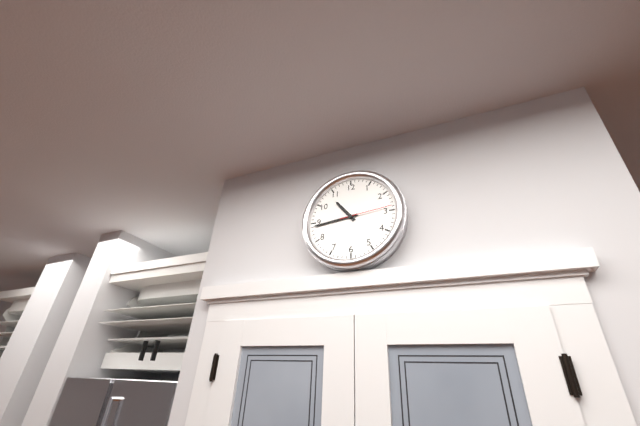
10:44:14
